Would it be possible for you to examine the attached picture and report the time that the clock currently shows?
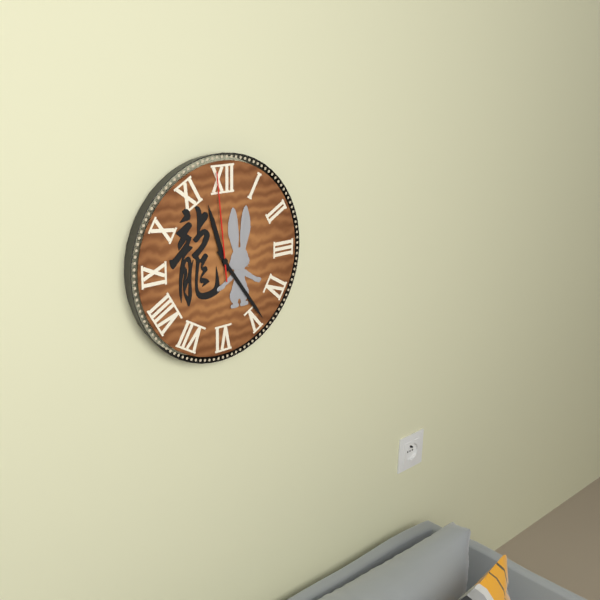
11:24:59
